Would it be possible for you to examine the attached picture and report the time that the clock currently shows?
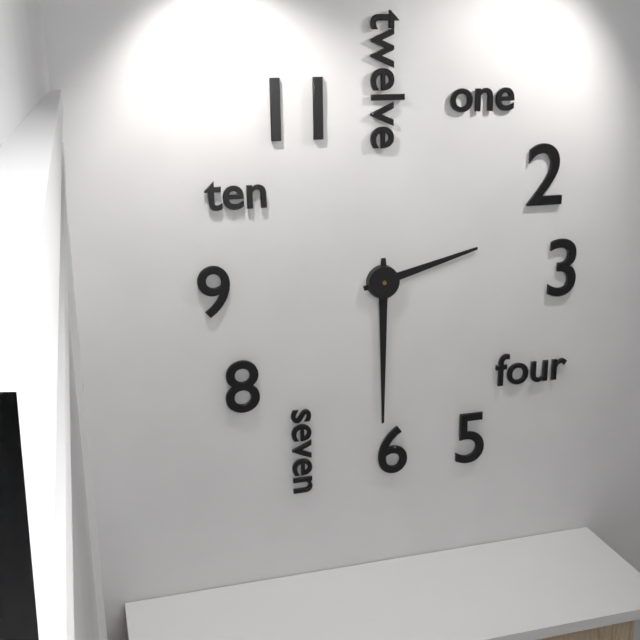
2:30
